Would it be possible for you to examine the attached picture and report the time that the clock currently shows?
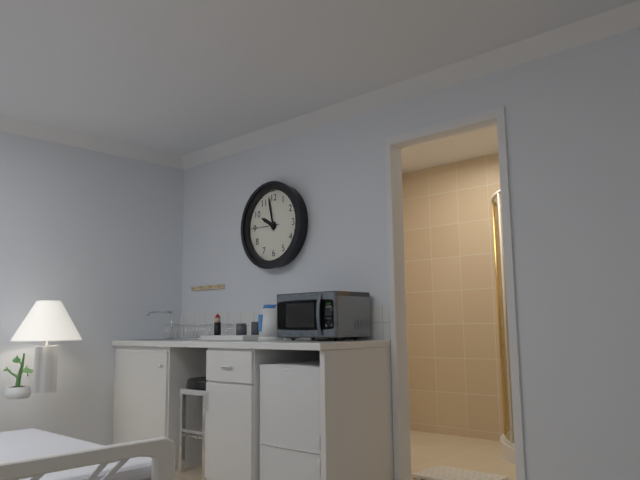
9:58
